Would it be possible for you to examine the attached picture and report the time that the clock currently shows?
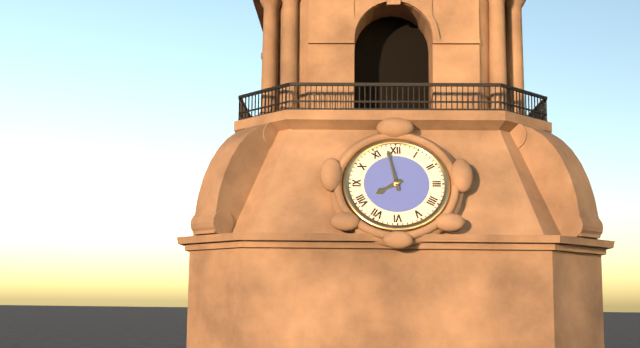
7:58
